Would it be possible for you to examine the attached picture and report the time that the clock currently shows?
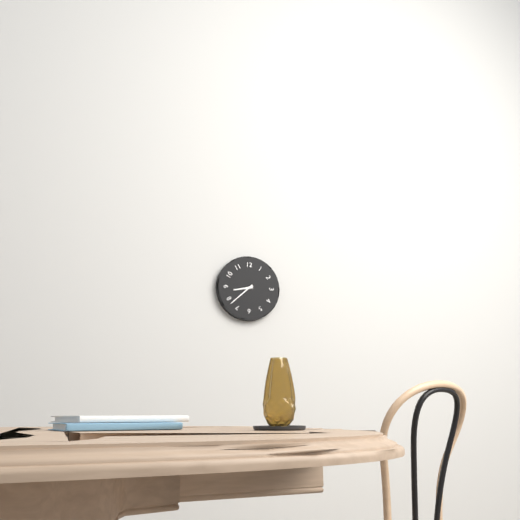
8:38
